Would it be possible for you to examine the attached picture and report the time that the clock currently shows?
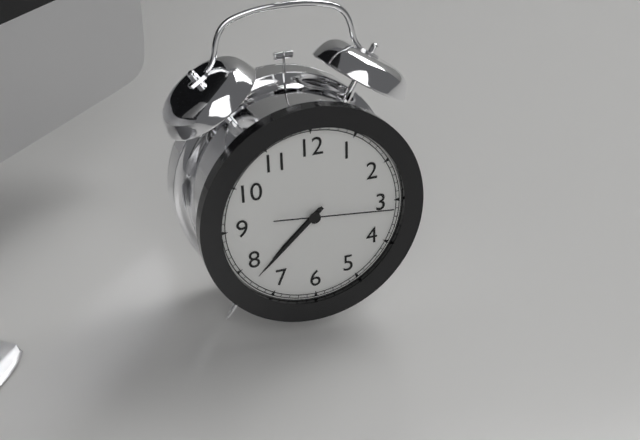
7:38:16
